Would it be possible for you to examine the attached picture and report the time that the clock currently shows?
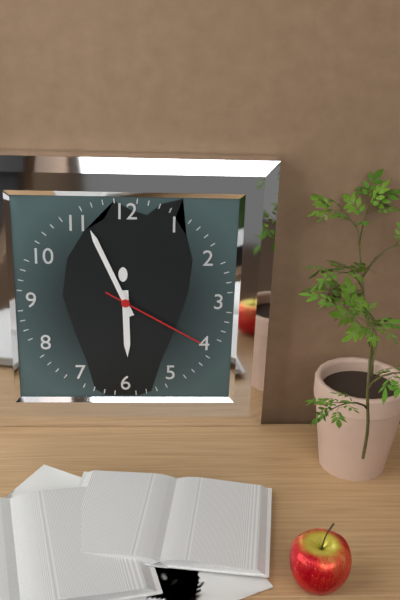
5:56:20
